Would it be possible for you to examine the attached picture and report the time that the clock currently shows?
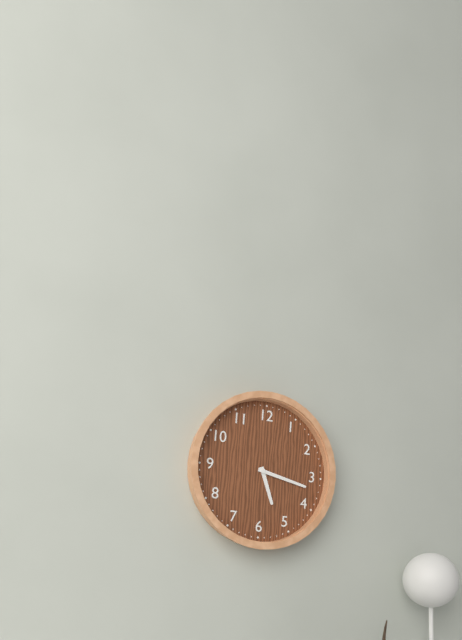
5:17
